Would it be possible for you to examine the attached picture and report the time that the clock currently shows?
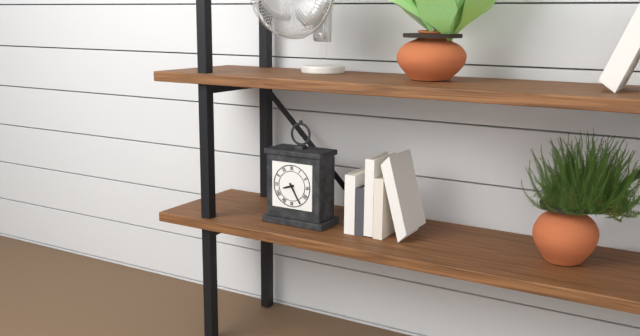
8:25
